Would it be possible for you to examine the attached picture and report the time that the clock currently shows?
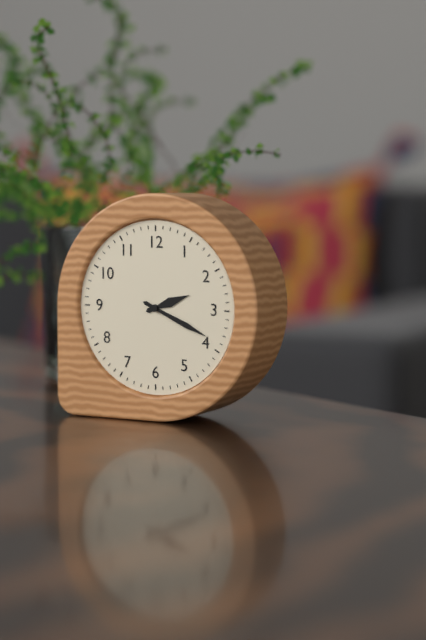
2:19
